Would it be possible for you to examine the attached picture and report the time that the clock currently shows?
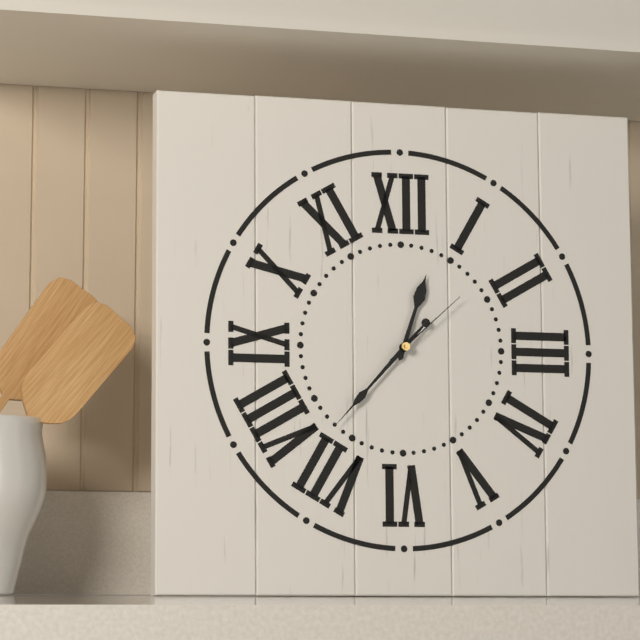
12:37:08
